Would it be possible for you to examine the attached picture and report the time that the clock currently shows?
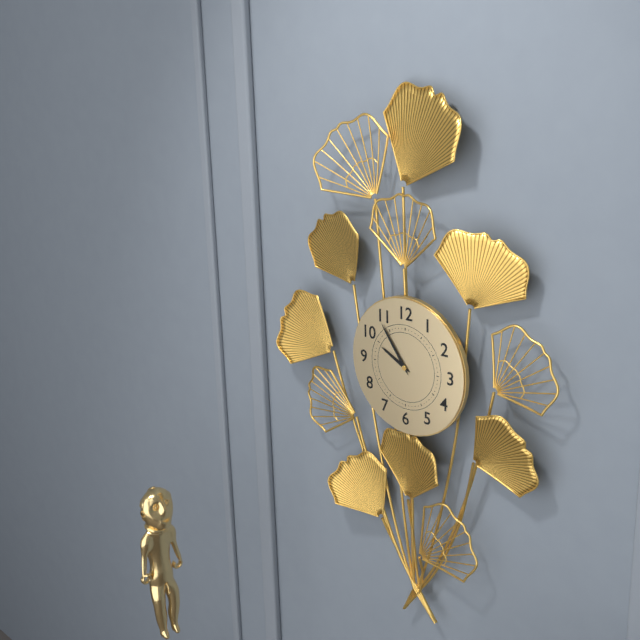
9:54
